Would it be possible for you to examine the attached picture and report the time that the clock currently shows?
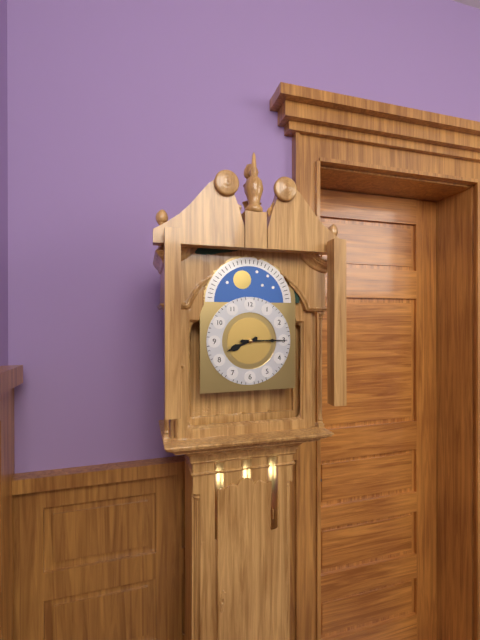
8:15
